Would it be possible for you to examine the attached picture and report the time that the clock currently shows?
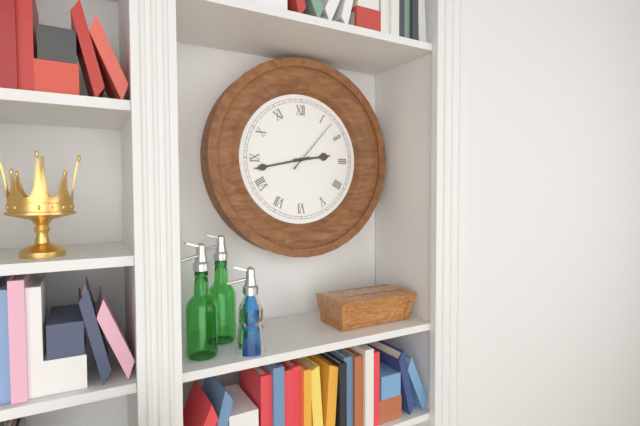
2:43:07
